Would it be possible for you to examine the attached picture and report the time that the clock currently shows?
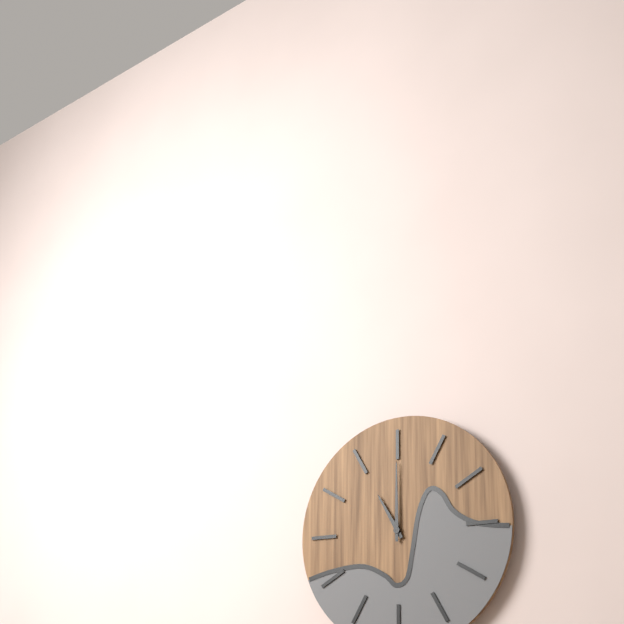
11:00
